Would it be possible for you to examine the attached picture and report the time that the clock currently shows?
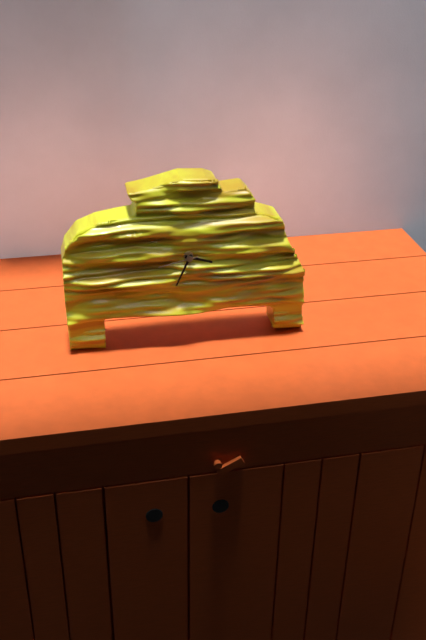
3:34
